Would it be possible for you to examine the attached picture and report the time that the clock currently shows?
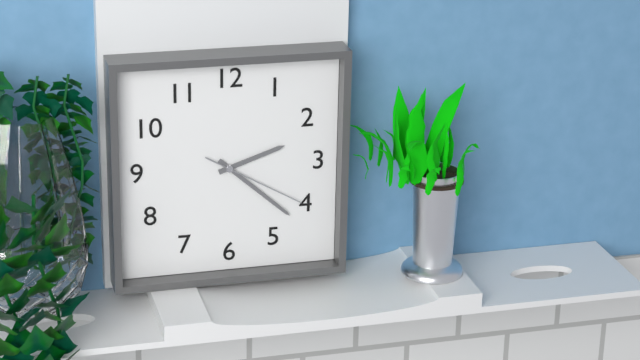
2:22:20
